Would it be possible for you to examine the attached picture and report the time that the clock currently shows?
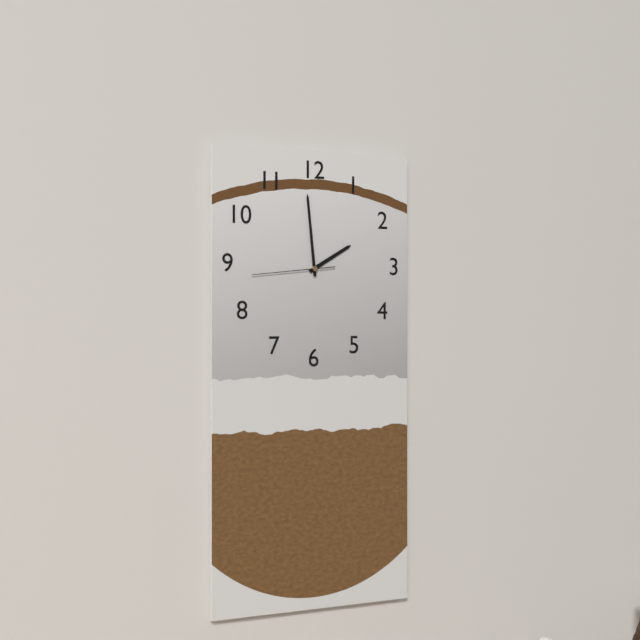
1:59:44
